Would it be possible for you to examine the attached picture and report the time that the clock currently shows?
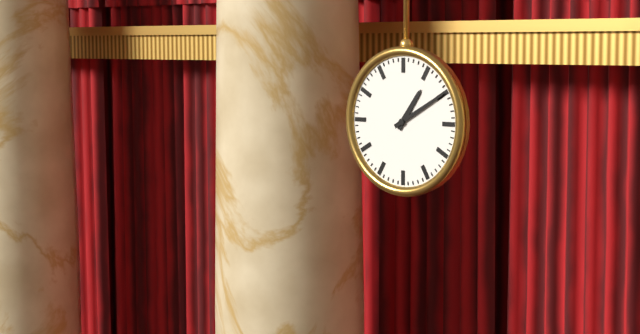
1:10
